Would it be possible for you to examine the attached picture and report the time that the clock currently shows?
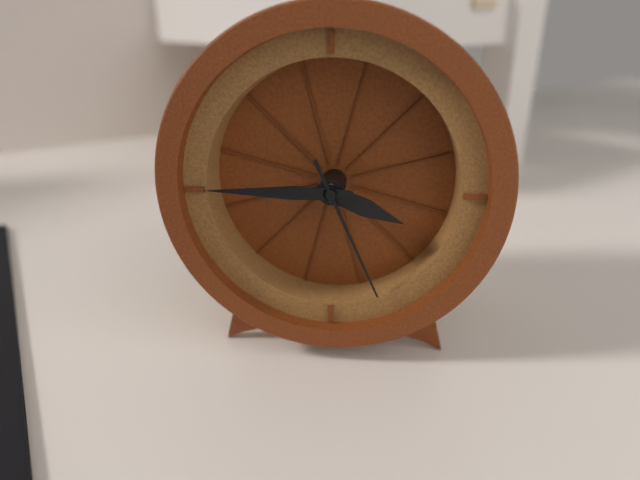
3:45:26
